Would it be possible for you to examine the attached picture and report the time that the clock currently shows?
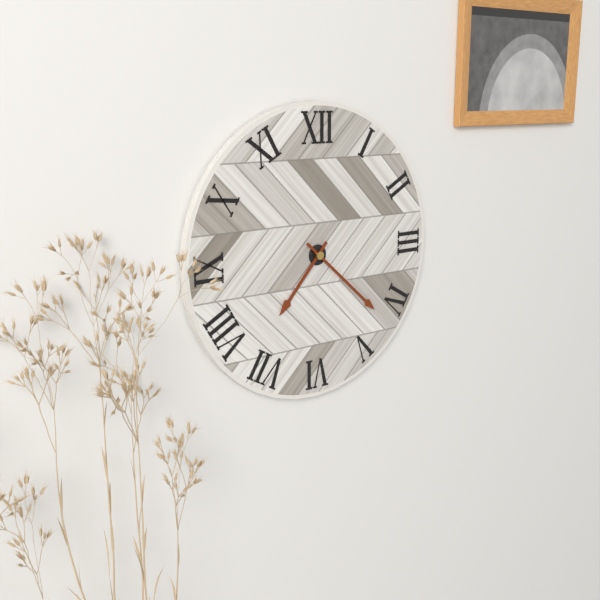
7:22
